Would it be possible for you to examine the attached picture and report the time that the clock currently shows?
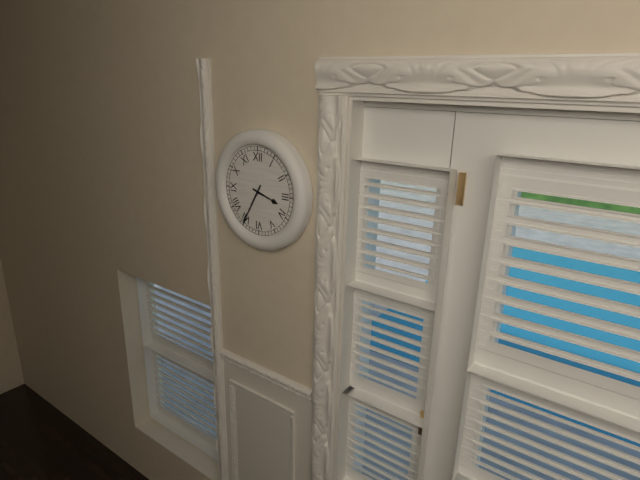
3:35
